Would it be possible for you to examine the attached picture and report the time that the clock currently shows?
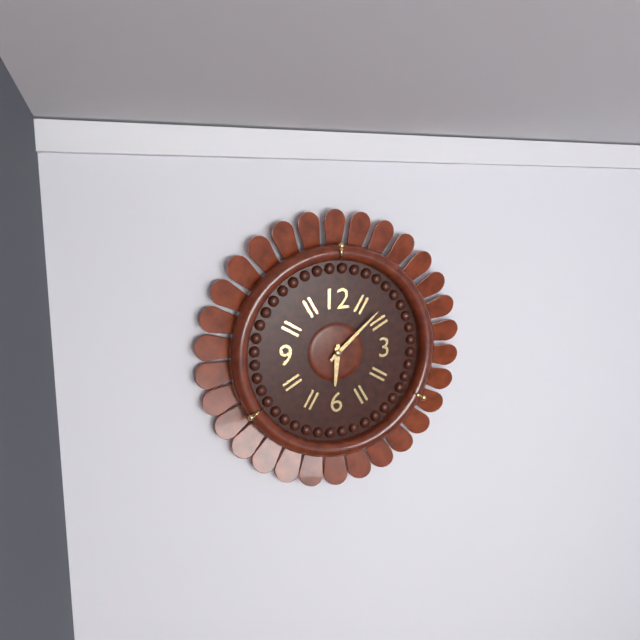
6:08
